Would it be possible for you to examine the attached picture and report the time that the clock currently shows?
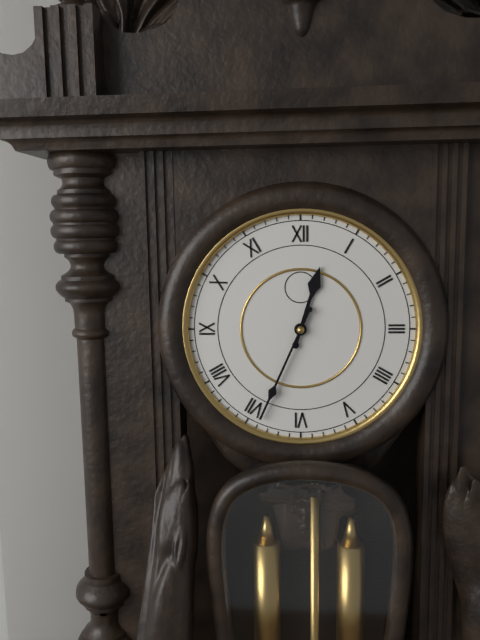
12:34
